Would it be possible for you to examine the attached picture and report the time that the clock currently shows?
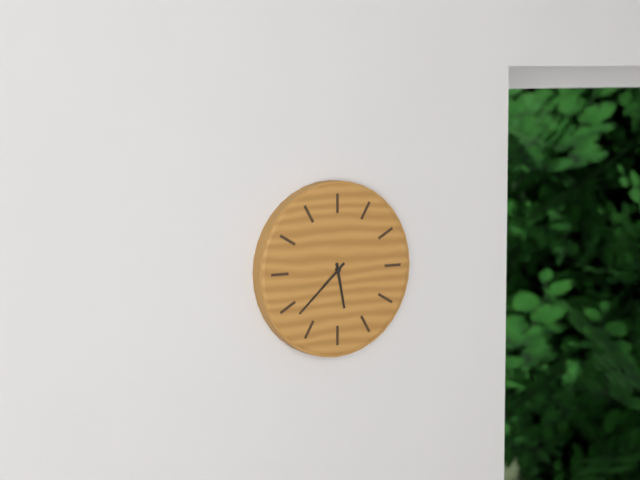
5:38
